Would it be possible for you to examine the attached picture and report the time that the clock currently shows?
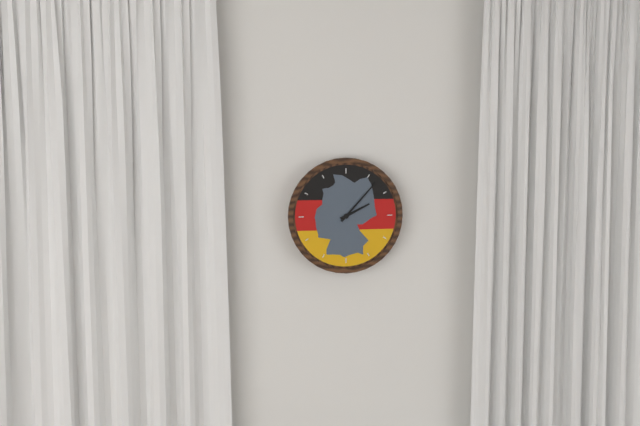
2:07
